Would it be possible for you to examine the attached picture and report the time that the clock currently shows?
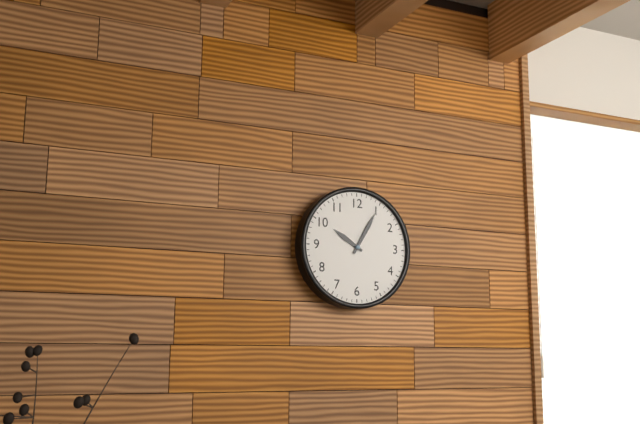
10:05
